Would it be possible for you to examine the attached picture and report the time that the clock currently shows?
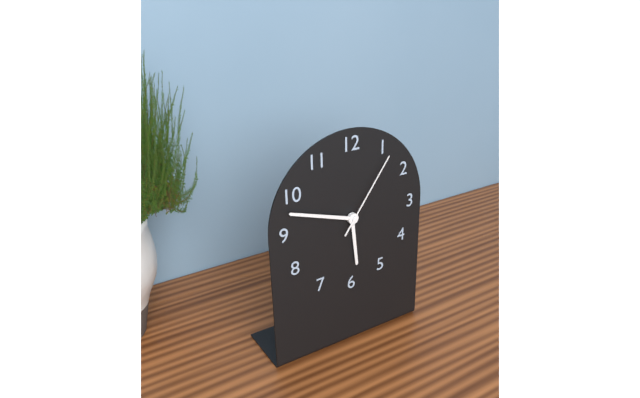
5:48:06
